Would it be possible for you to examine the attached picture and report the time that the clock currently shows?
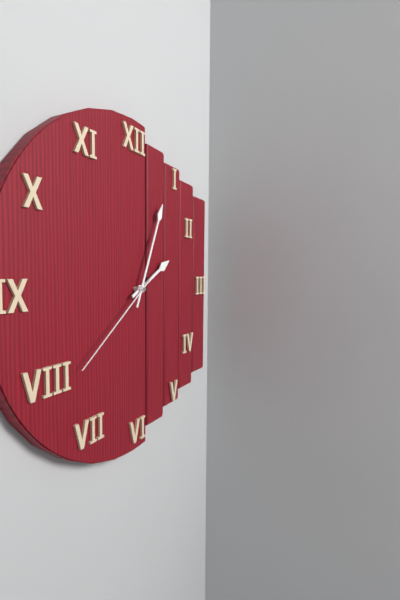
2:04:39
